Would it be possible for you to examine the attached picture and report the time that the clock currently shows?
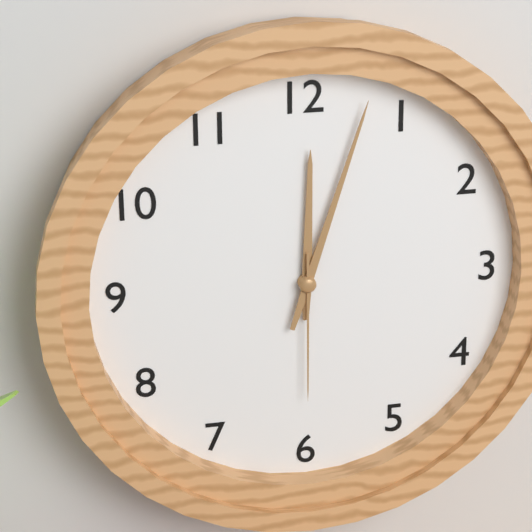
12:03:30
